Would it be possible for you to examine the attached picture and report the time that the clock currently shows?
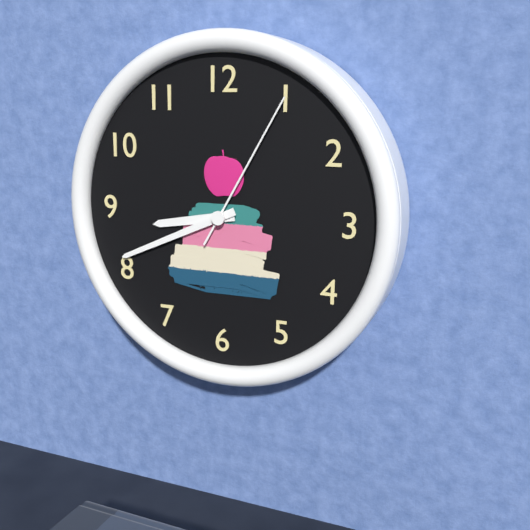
8:41:05
